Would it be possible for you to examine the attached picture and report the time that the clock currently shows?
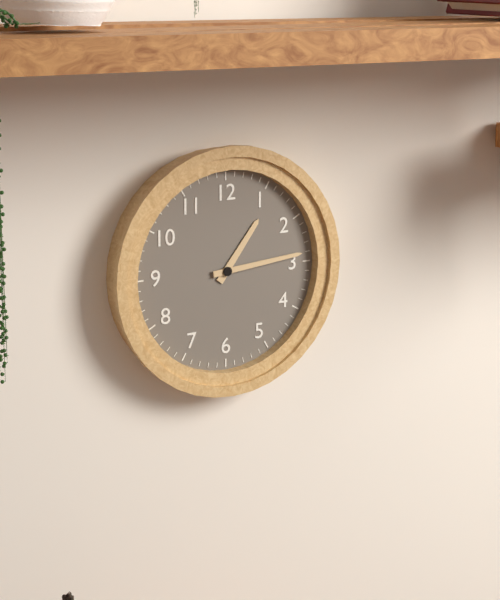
1:14
